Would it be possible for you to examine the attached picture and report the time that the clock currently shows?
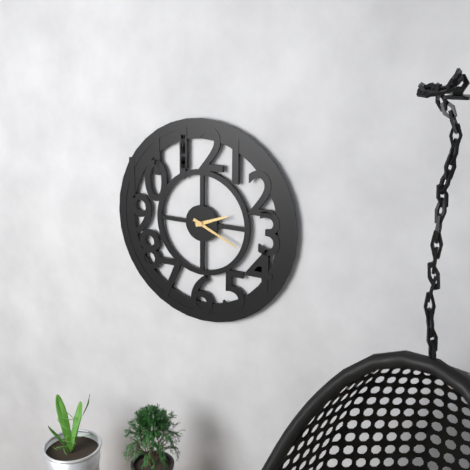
2:19
